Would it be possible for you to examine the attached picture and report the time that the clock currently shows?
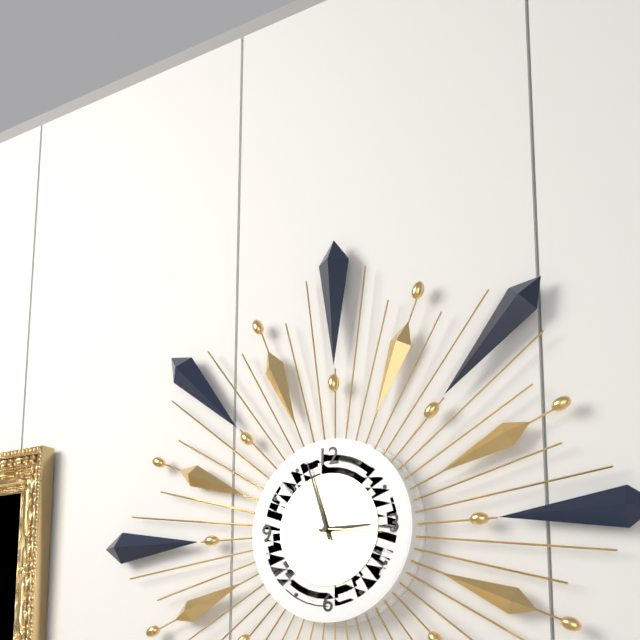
2:57:16
